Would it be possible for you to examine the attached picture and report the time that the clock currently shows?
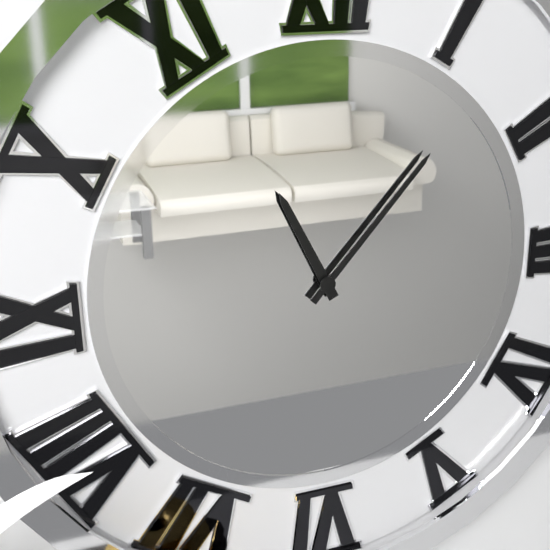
11:07
